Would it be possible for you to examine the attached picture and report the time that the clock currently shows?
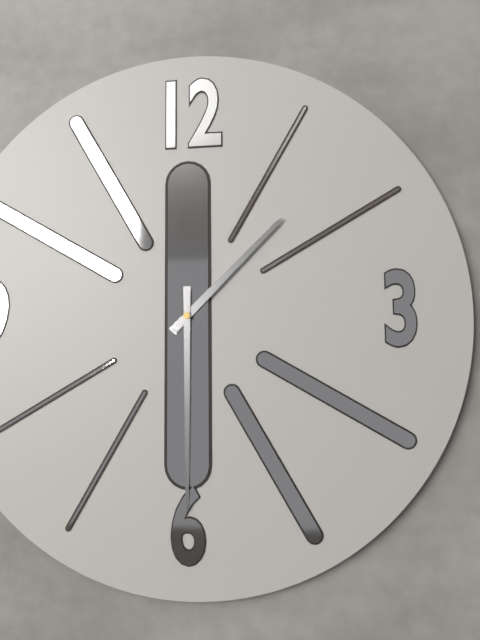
1:30
